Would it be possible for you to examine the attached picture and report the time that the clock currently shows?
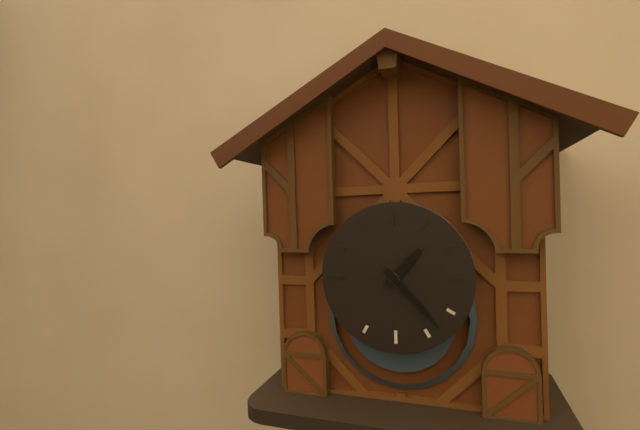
1:23
